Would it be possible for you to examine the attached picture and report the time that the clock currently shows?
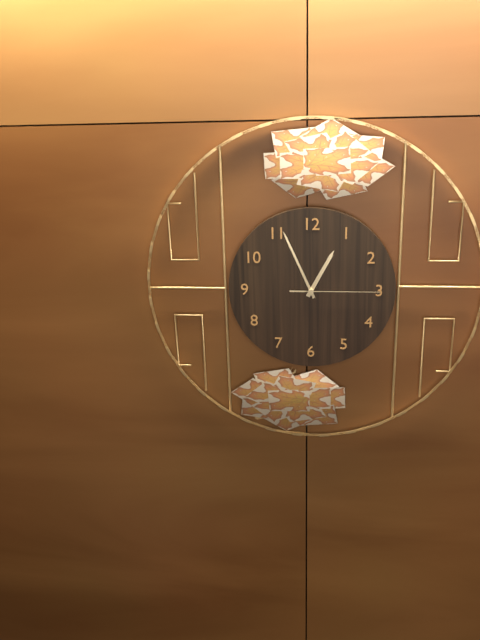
12:56:15
